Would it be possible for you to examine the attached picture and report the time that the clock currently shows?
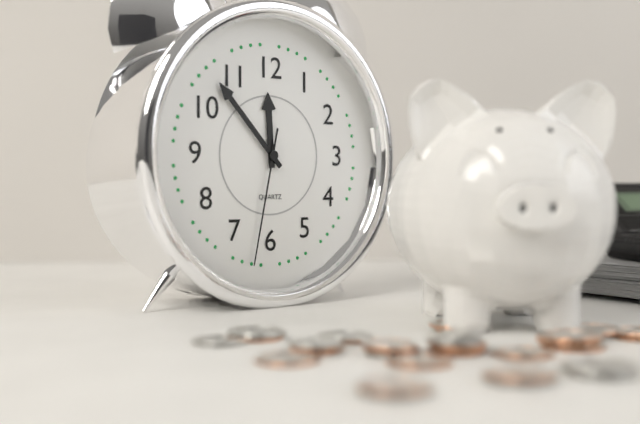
11:53:32
